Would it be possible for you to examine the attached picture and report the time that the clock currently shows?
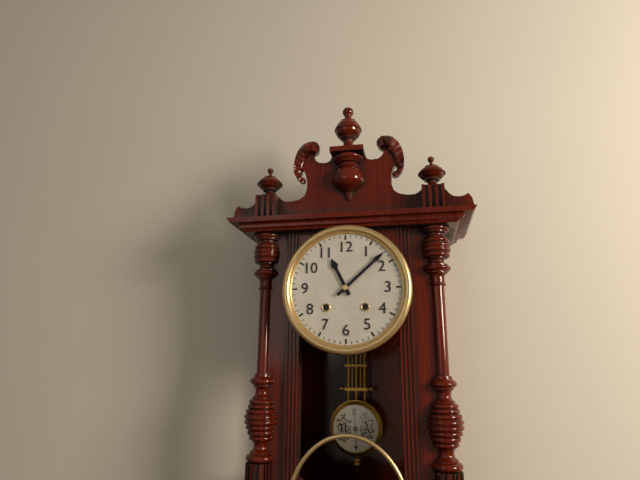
11:08
